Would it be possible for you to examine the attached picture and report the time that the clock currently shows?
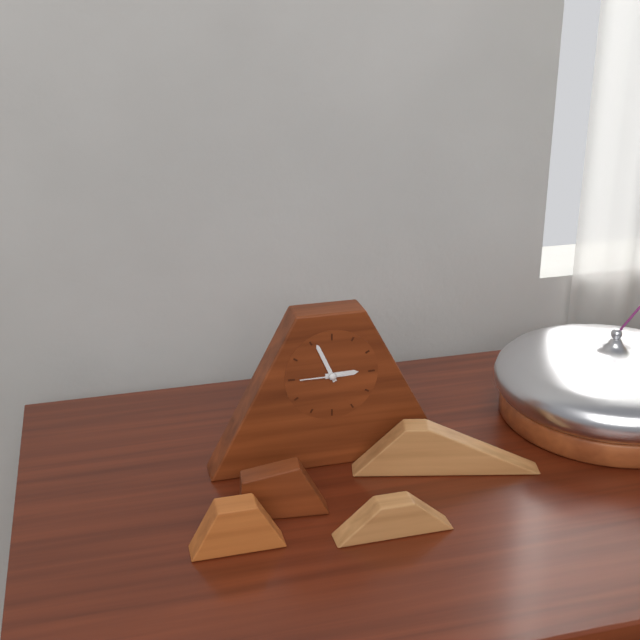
2:56
